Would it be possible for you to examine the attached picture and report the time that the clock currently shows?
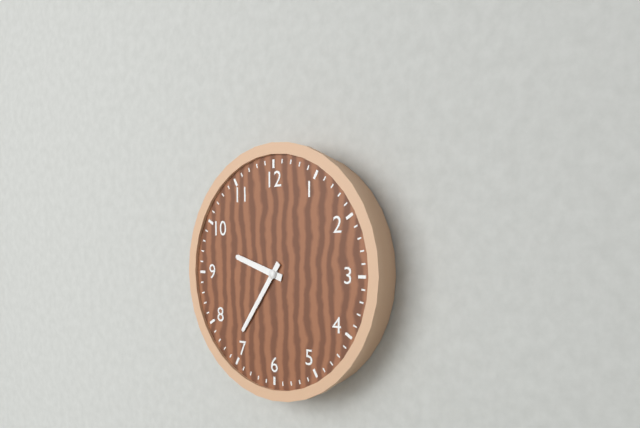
9:36
